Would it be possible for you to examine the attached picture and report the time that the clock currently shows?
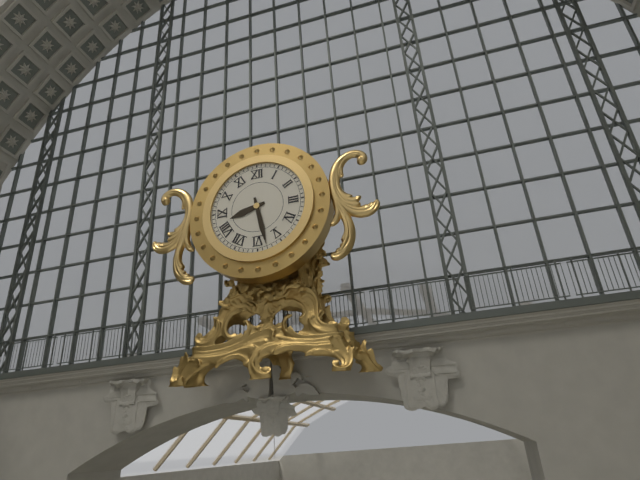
8:28
